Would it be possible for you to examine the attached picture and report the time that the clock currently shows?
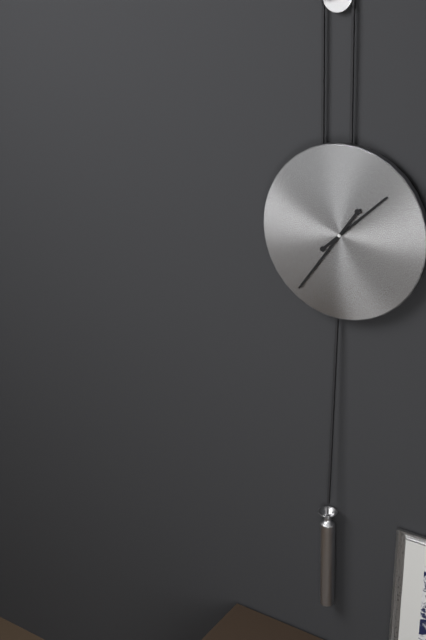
1:36
